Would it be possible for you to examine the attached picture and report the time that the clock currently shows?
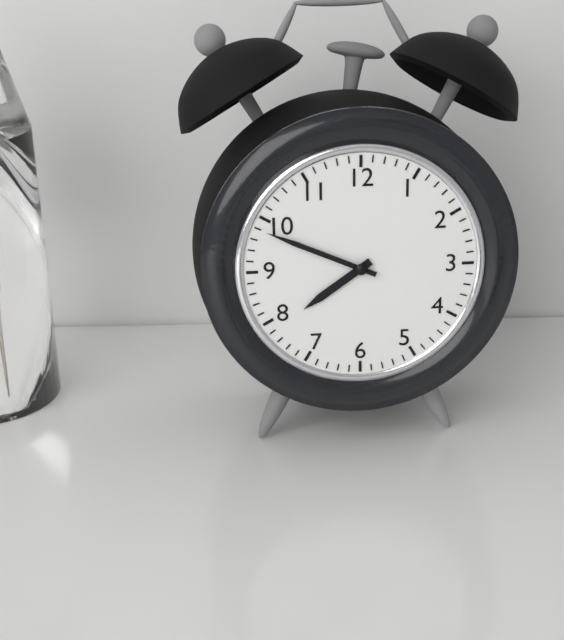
7:49
